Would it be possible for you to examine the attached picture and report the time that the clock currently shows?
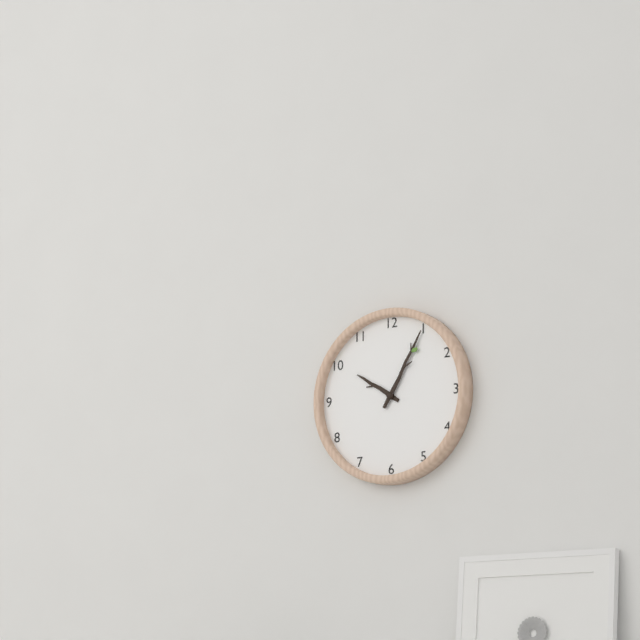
10:05
